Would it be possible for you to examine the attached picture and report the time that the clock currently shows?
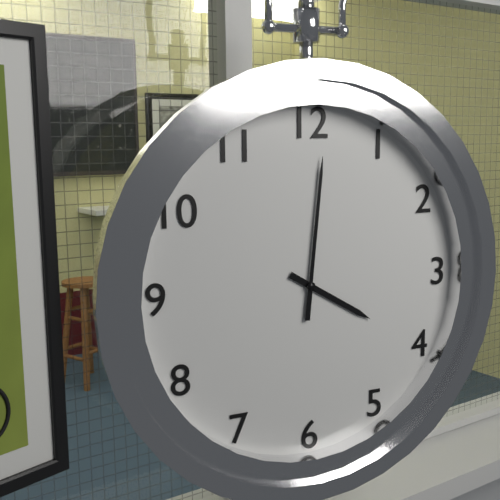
4:01
